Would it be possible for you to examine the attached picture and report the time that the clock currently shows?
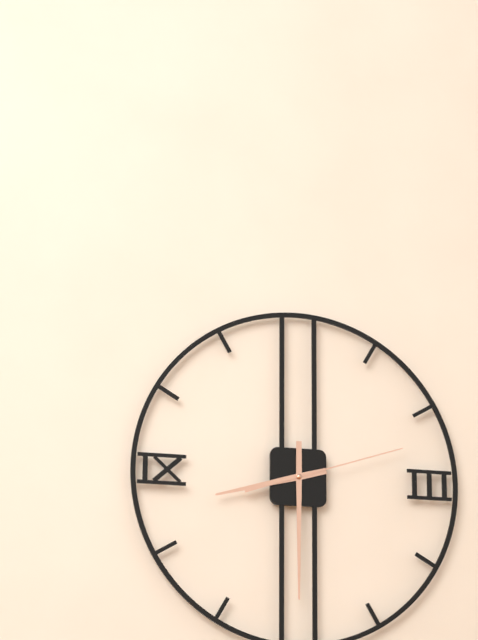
8:30:12
